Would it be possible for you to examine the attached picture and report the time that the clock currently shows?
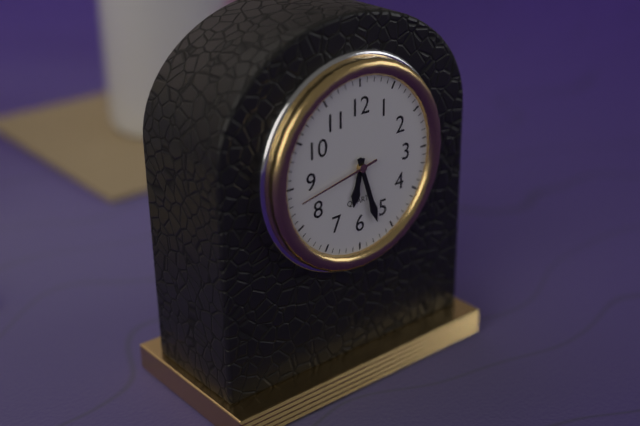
6:27:43
